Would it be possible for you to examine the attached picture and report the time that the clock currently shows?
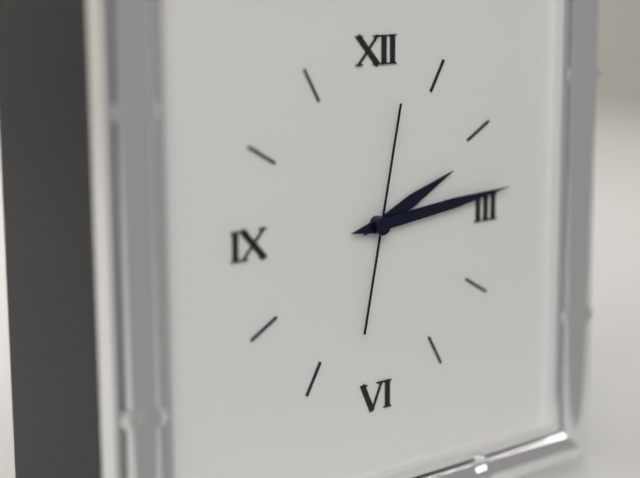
2:14:02
